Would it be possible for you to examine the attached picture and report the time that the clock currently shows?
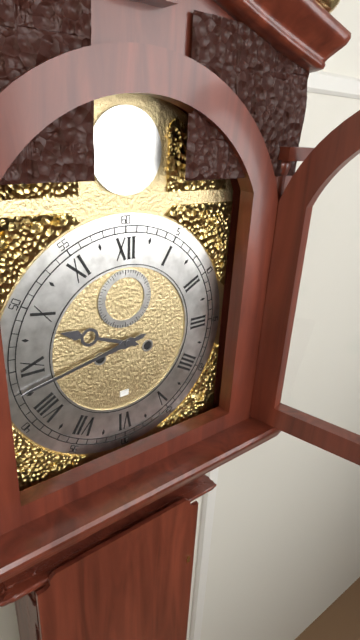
9:43
